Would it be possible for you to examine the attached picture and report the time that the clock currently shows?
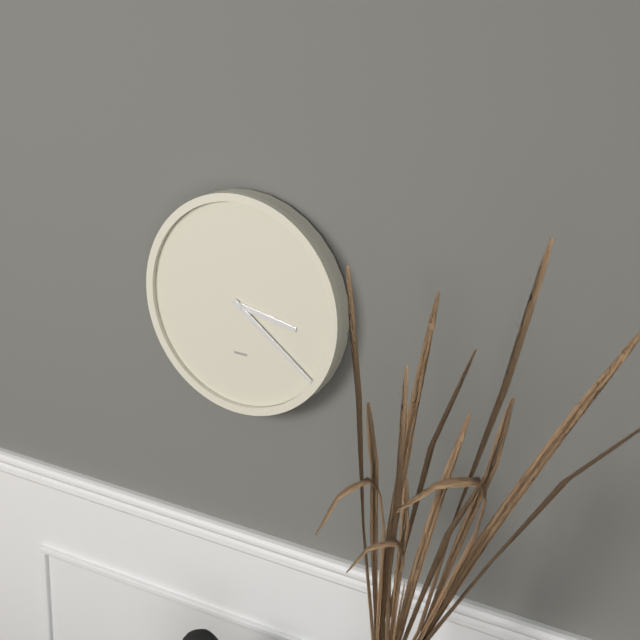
3:21
